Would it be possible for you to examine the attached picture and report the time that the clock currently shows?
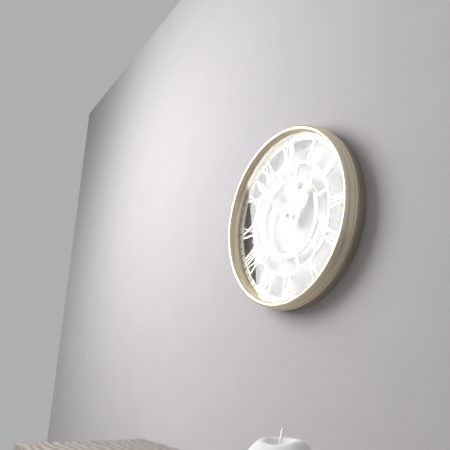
1:53
